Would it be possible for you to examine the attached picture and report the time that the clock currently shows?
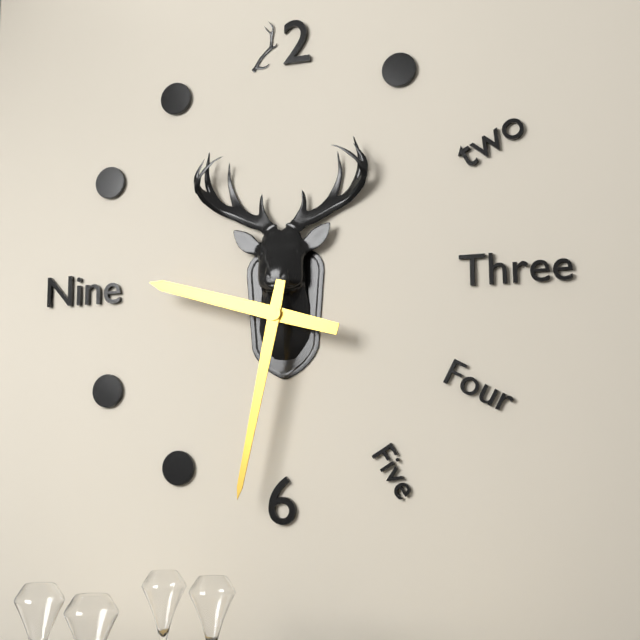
9:32
